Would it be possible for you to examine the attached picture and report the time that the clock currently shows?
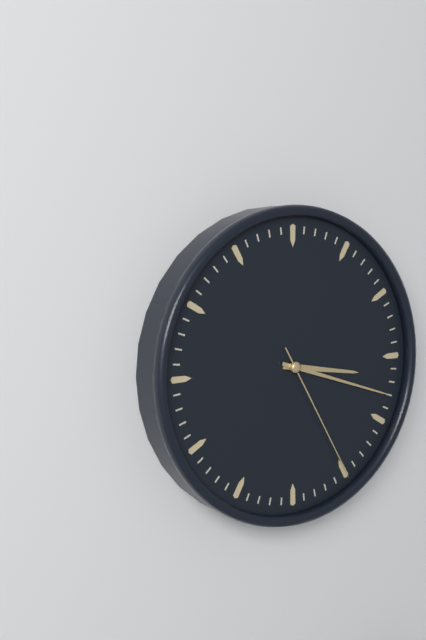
3:18:25
